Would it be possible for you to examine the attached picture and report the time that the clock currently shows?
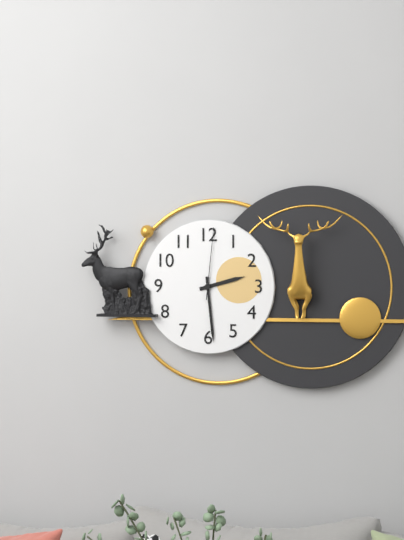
2:29:01
